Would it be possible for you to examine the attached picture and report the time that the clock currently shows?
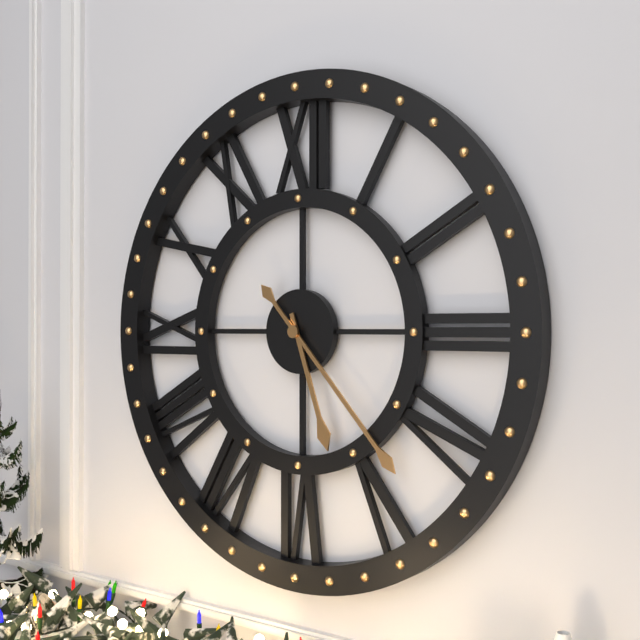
5:23
